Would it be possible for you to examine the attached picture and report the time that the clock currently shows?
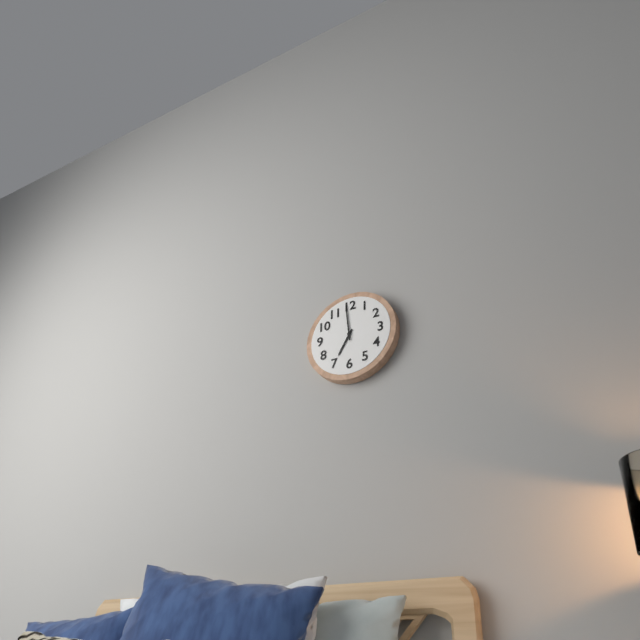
6:59
